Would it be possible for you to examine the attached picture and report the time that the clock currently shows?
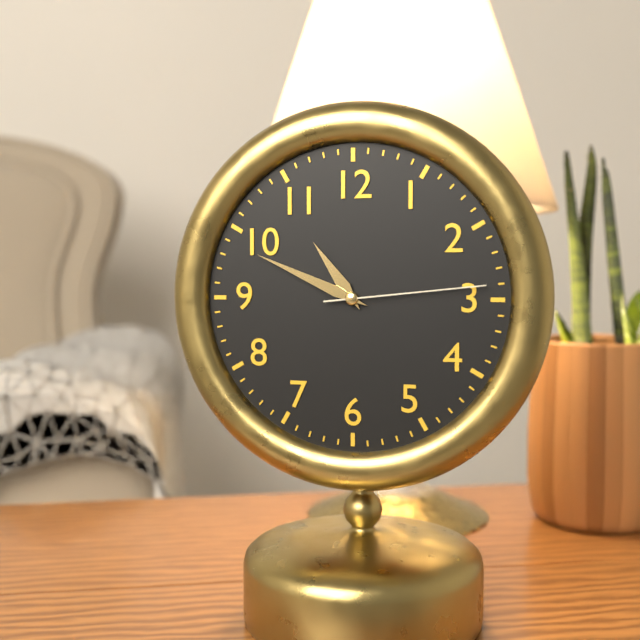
10:49:14
